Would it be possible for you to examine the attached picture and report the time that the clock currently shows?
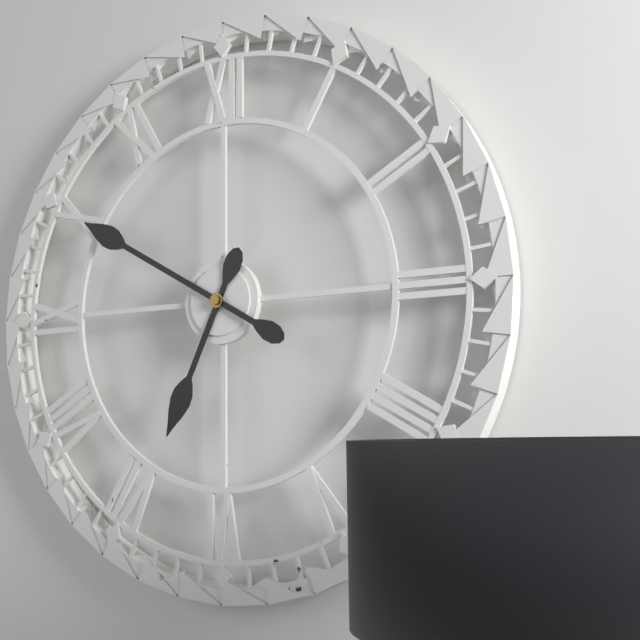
6:50
